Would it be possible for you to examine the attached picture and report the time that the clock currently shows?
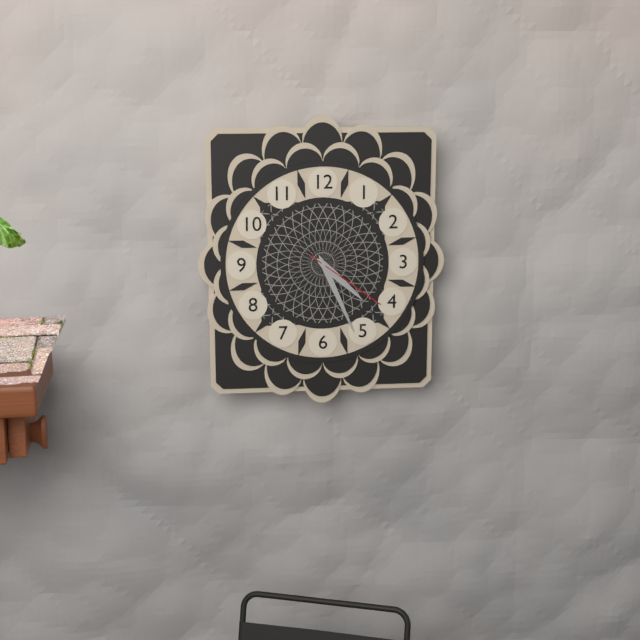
4:26:21
